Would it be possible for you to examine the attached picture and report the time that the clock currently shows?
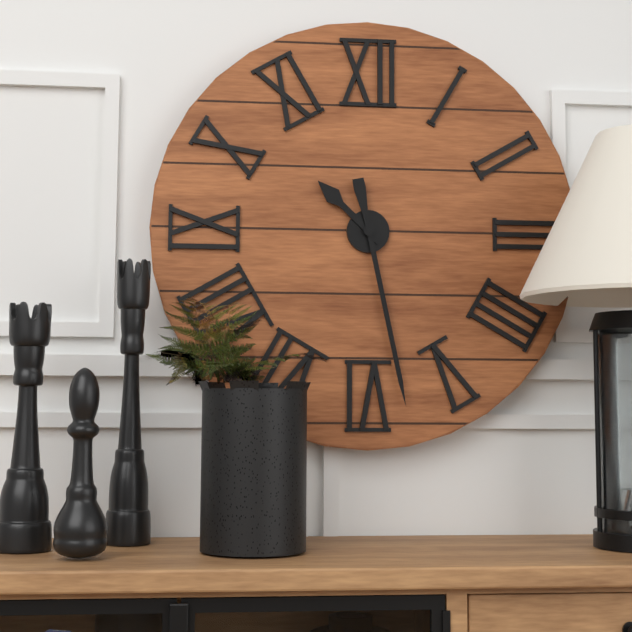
10:28
